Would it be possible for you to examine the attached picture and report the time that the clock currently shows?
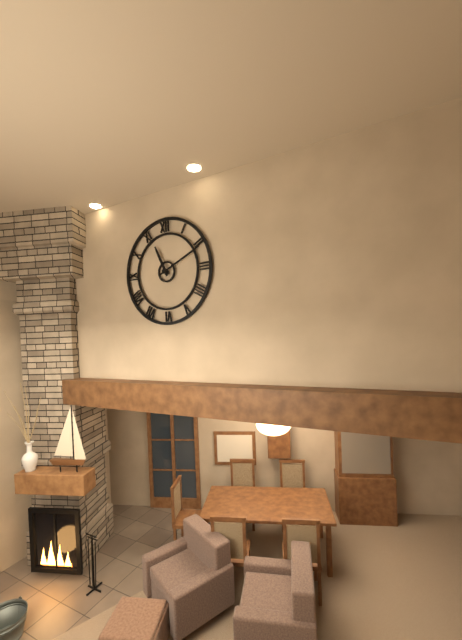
11:11
